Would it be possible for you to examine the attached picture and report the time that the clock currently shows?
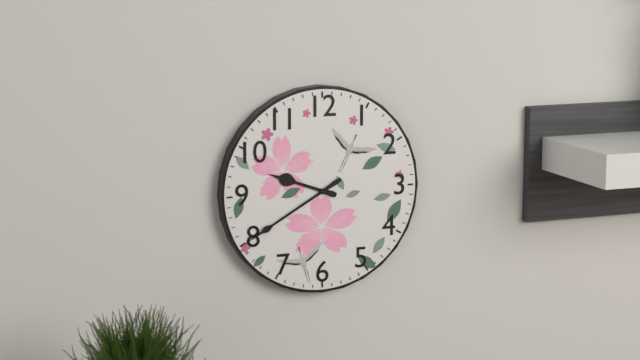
9:40
